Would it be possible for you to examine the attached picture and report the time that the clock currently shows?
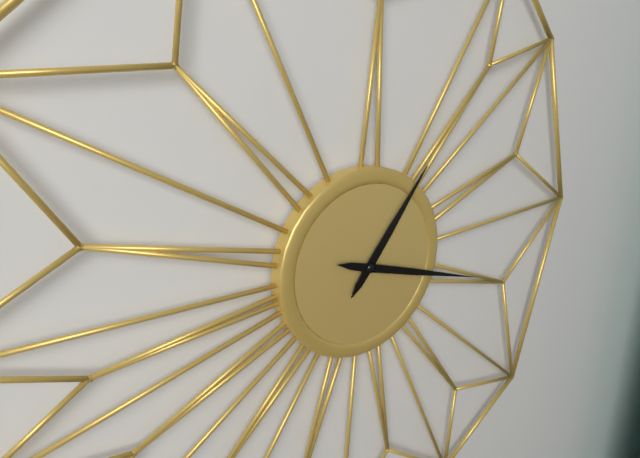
1:18
